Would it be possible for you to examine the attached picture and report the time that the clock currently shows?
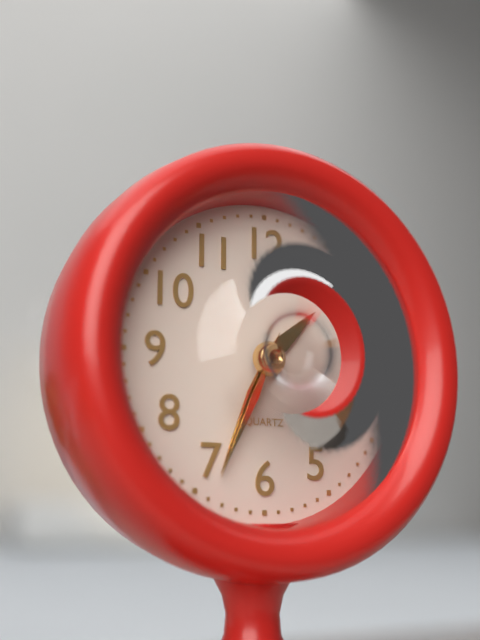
1:34:34
